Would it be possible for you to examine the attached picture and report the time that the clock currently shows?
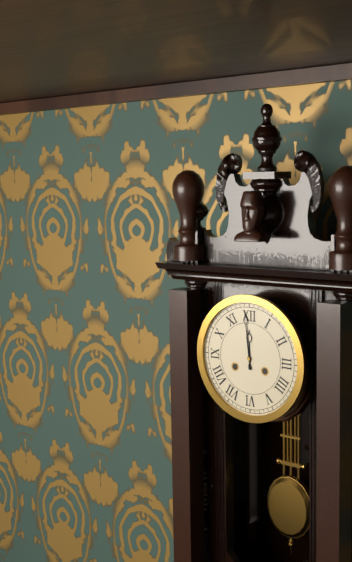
11:59
